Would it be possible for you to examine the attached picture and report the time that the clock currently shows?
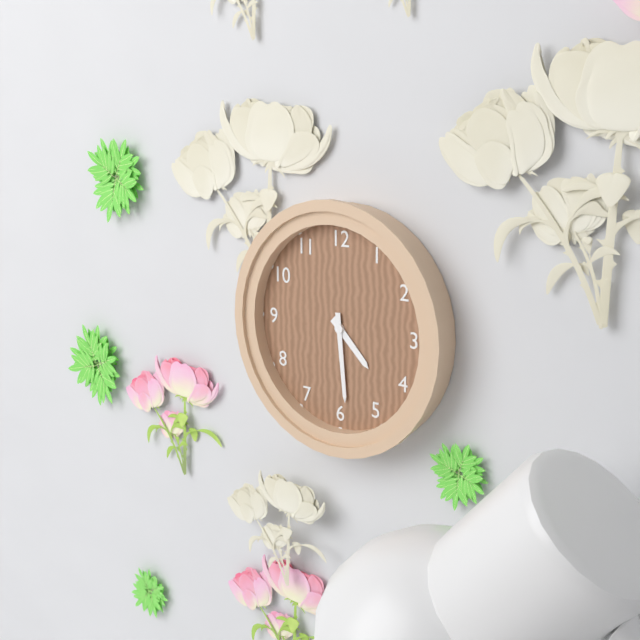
4:29
